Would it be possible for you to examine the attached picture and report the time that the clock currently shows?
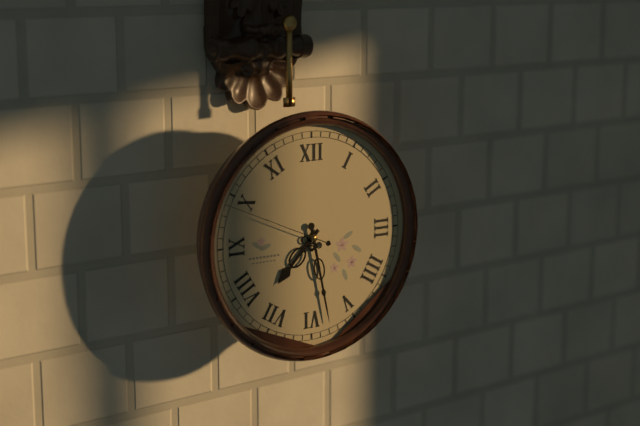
7:28:49
